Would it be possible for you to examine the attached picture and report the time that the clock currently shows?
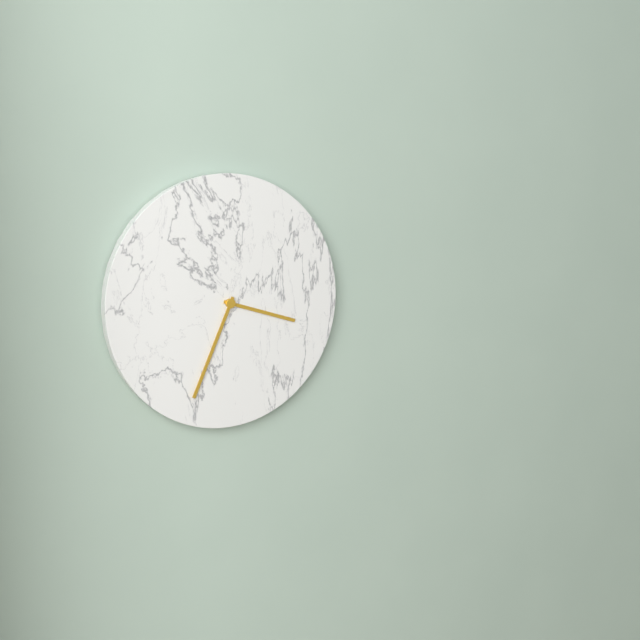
3:34
